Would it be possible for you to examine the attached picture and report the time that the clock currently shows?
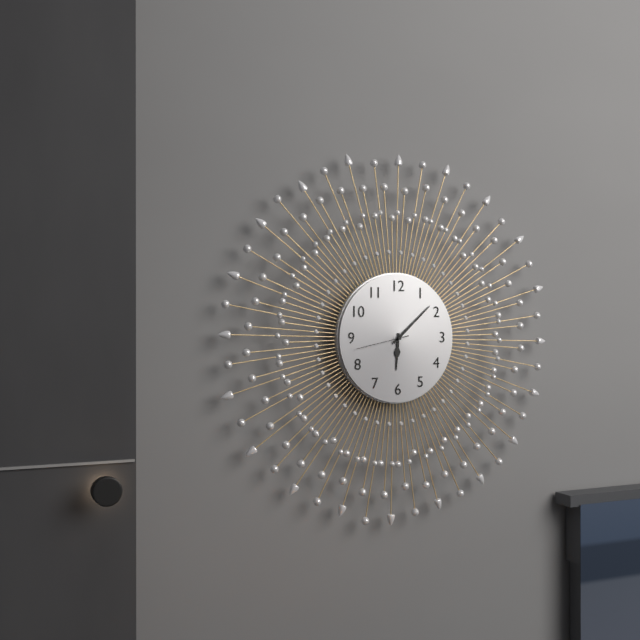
6:08:43
